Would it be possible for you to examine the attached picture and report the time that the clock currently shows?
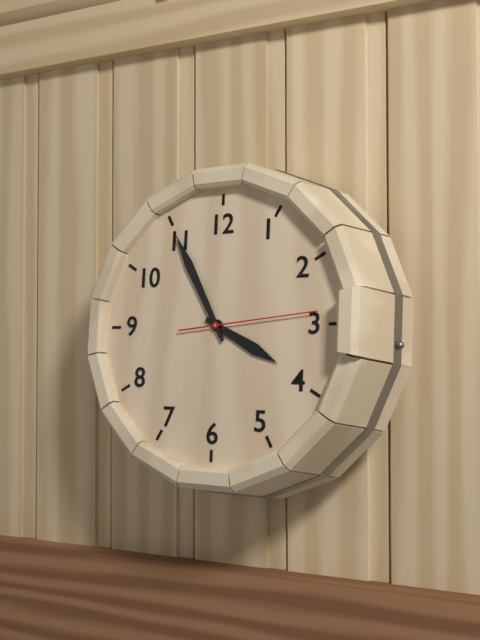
3:55:14
